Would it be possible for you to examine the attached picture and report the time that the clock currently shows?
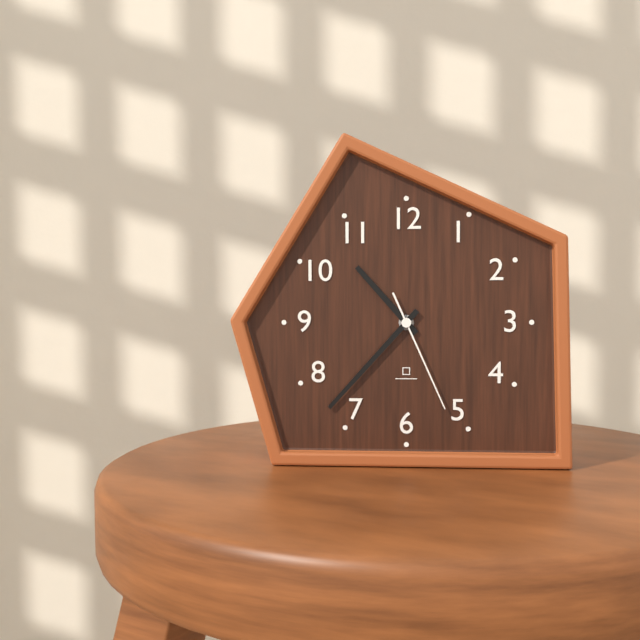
10:37:26
